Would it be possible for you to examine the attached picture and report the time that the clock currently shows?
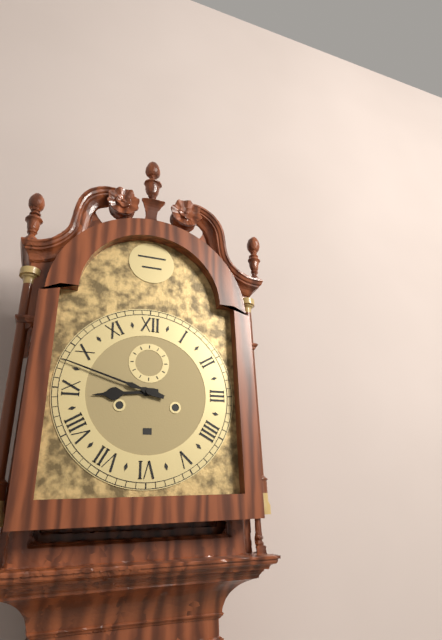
8:48
